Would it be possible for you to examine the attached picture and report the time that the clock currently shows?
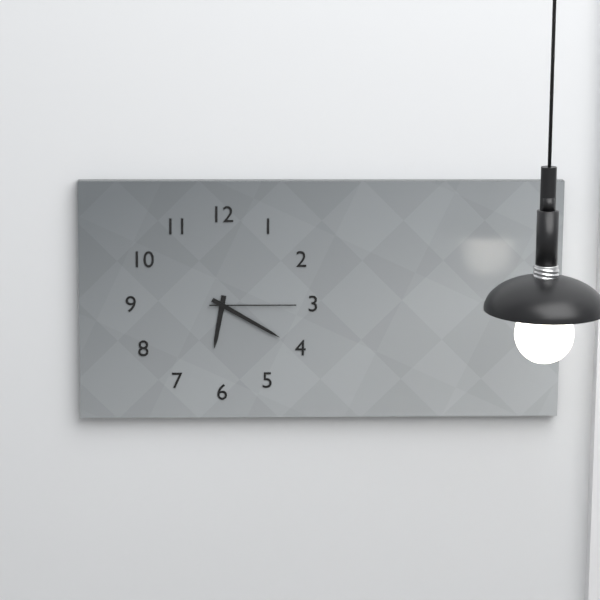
6:20:15
